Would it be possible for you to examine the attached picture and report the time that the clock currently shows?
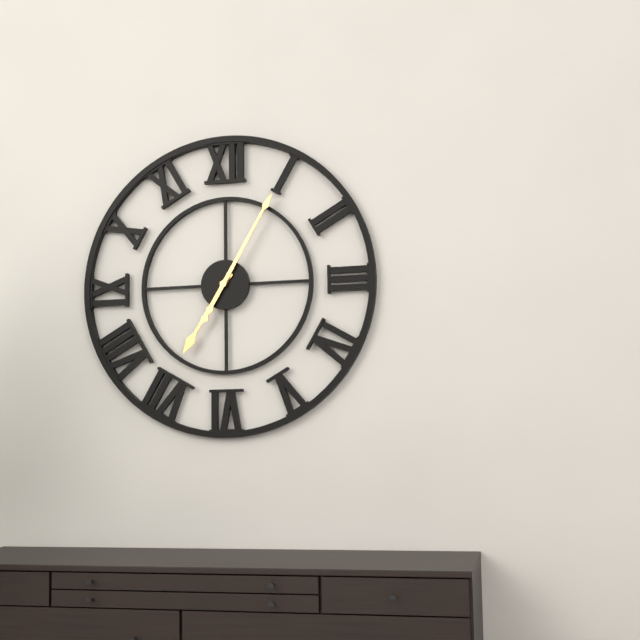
7:05
